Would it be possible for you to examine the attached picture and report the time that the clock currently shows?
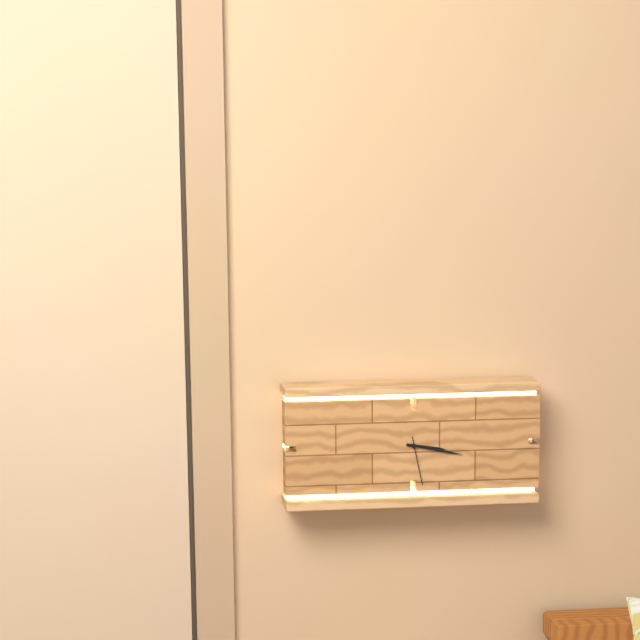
3:17:28
